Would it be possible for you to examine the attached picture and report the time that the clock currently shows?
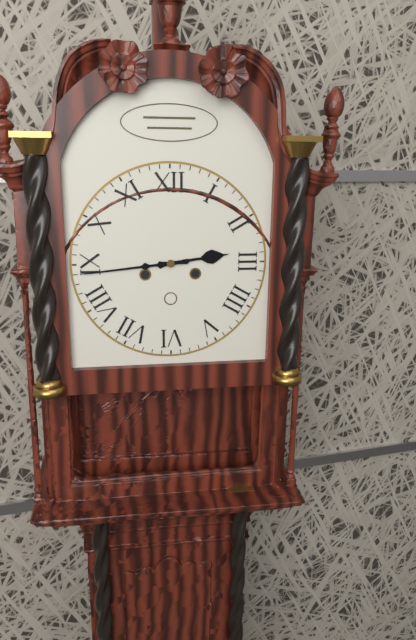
2:44
